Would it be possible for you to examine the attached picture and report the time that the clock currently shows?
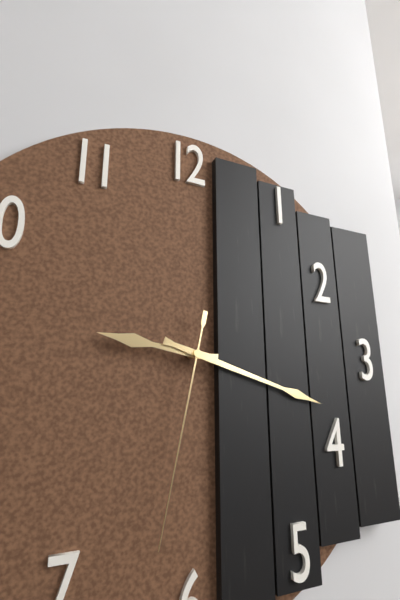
9:18:32
